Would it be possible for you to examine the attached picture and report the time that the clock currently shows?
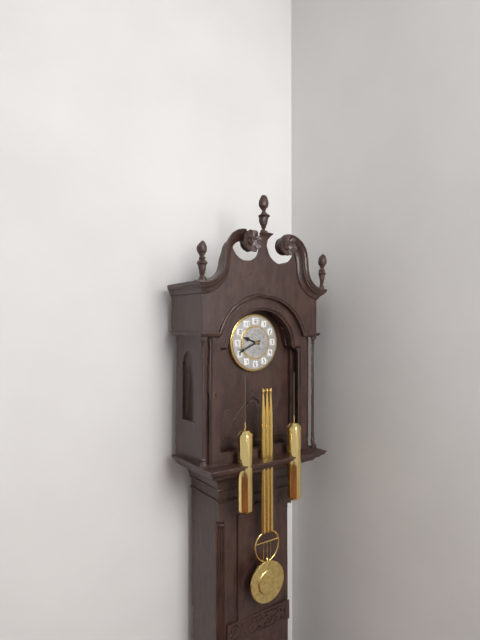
9:41
